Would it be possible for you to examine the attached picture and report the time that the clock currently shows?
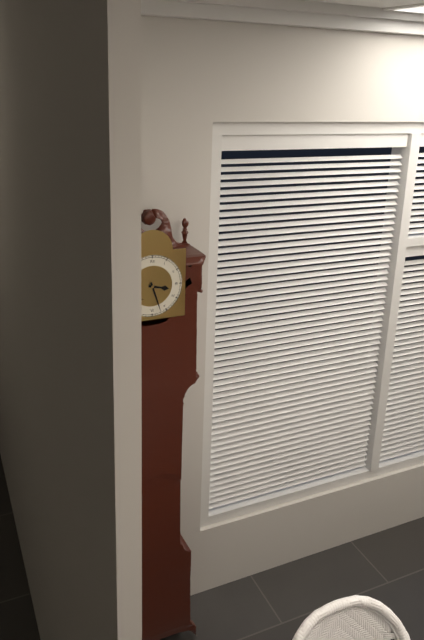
3:27
